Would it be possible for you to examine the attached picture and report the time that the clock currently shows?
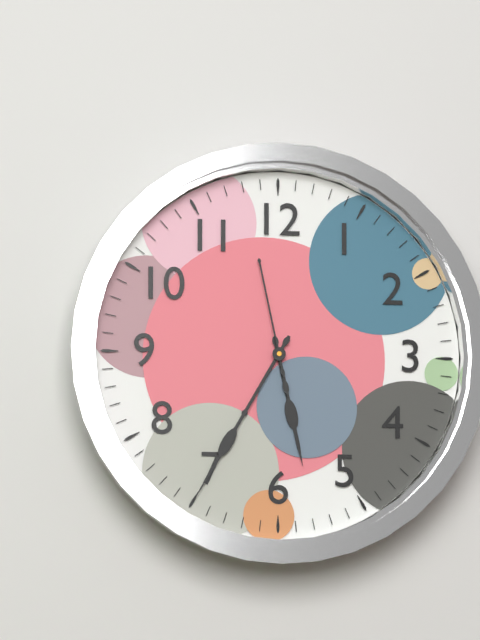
5:35:58
